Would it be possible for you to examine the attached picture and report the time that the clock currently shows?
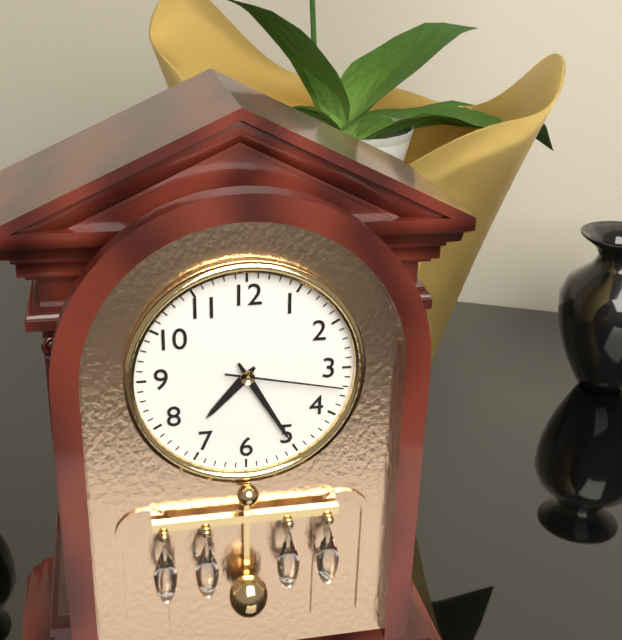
7:25:17
